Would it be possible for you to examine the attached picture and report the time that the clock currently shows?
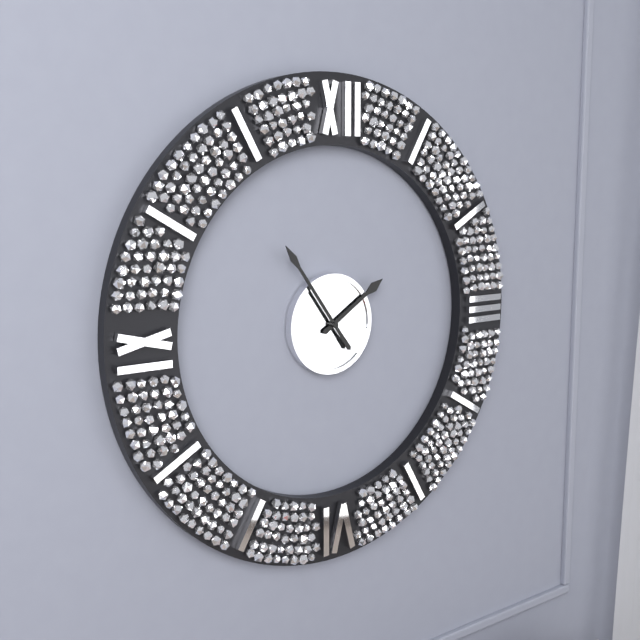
1:54
